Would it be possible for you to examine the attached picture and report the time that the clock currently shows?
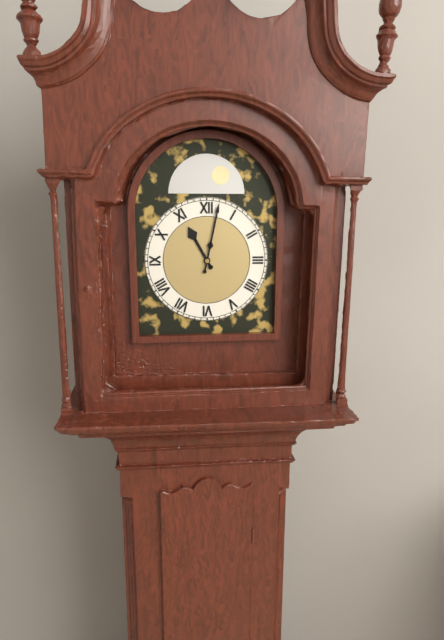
11:02
